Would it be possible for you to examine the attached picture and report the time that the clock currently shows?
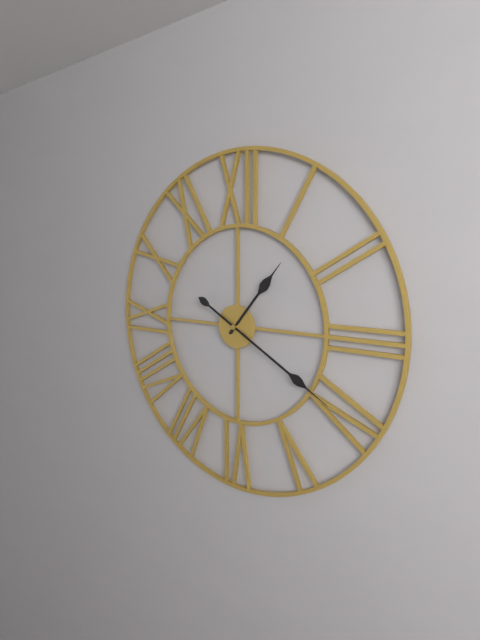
1:20
